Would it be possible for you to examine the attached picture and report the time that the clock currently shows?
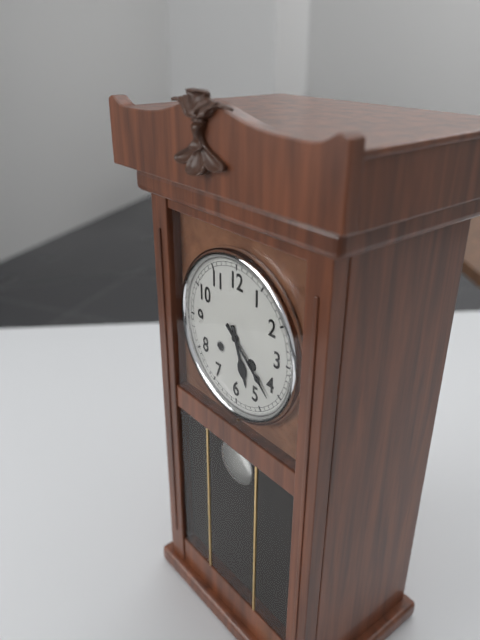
5:22
